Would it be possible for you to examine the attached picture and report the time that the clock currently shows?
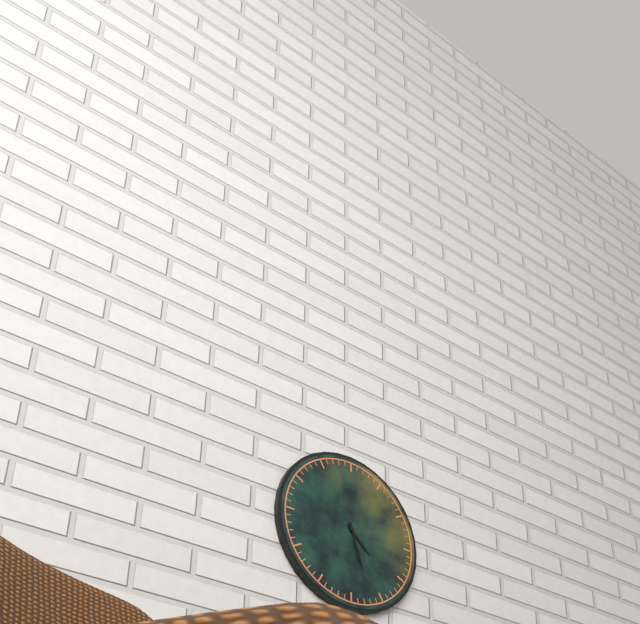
4:27
